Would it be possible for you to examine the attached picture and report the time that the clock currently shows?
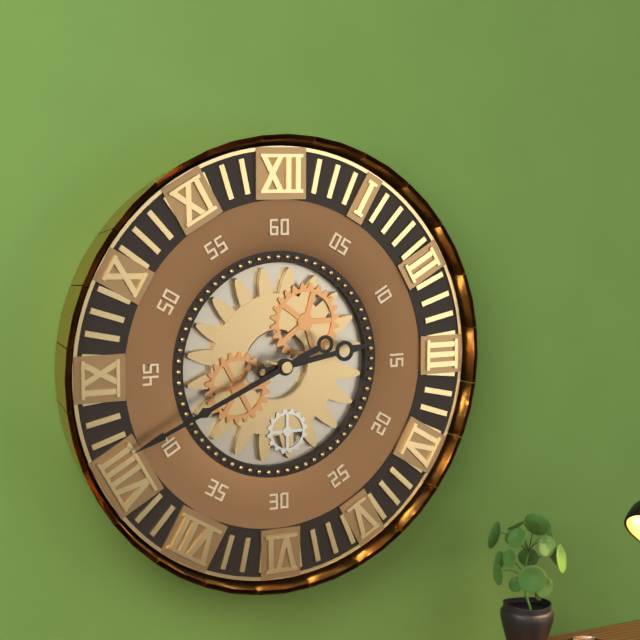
2:41
